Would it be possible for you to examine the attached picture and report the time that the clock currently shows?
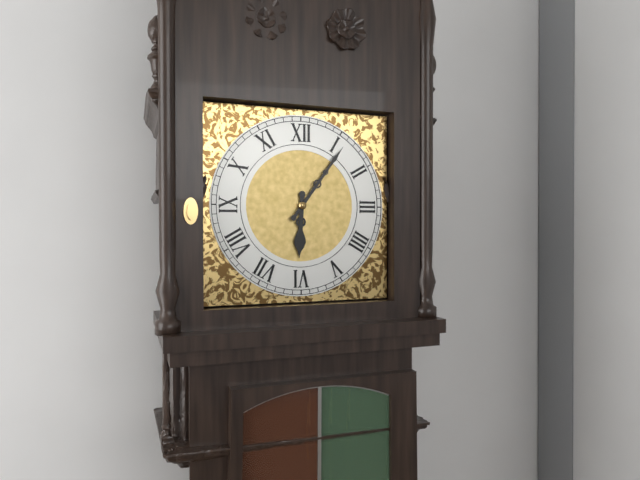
6:06
